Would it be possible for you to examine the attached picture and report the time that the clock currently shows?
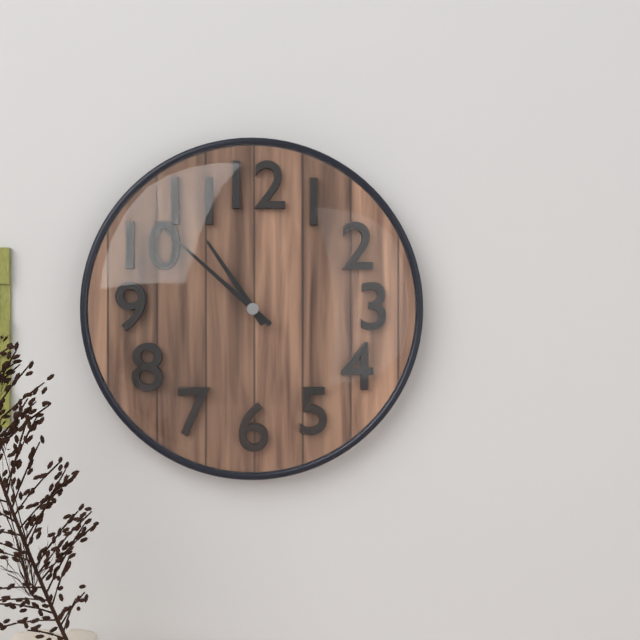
10:52
